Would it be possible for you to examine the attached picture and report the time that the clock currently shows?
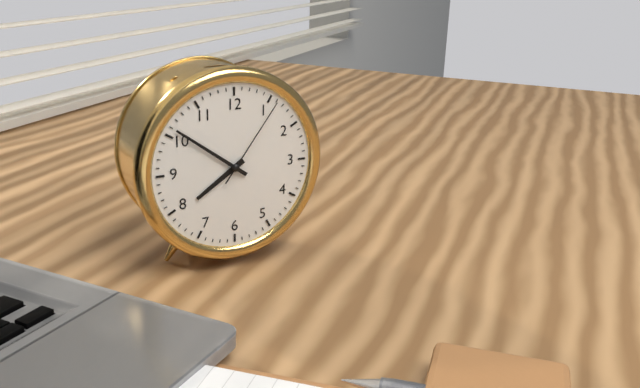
7:51:06
